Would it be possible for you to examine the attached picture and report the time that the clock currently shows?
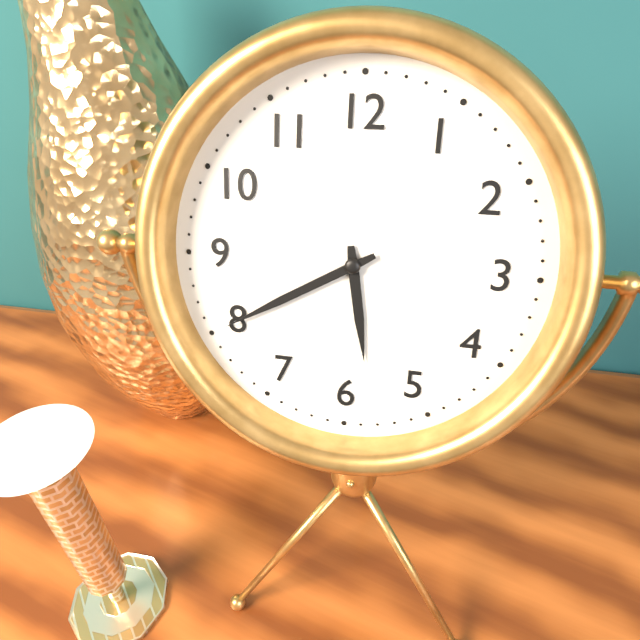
5:40
